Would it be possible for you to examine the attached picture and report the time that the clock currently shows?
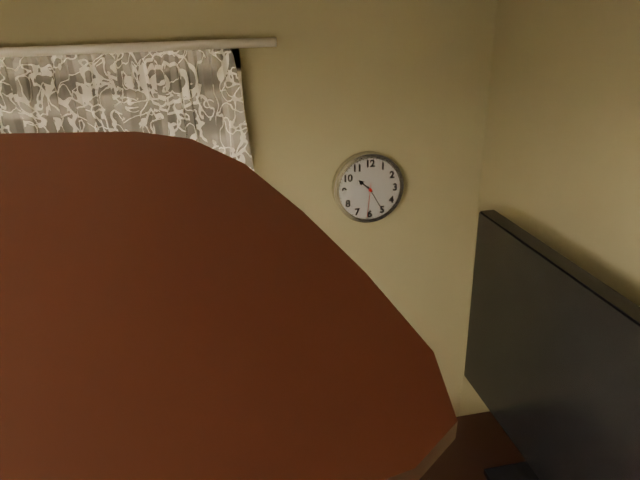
10:25
